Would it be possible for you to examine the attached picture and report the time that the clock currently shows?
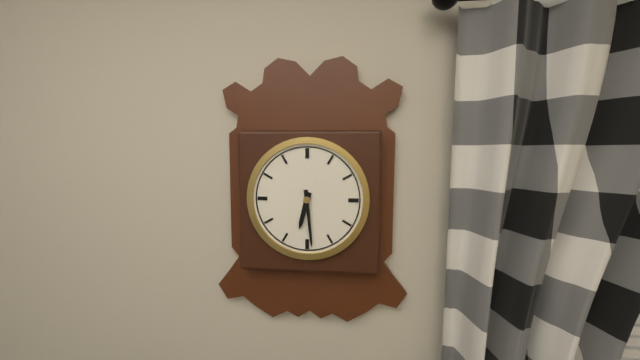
6:29
